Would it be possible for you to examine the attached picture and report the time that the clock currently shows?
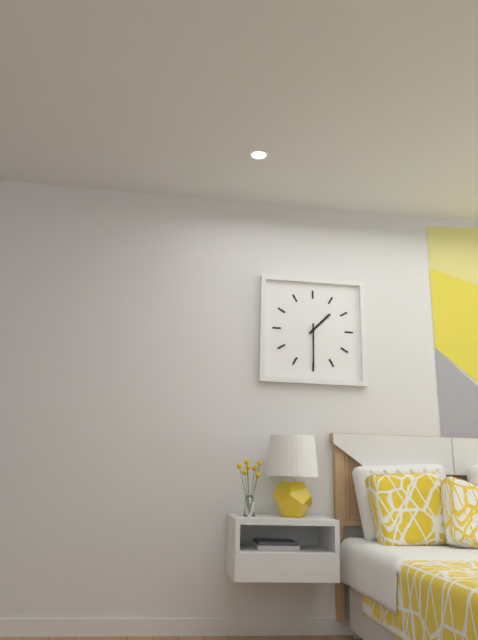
1:30
